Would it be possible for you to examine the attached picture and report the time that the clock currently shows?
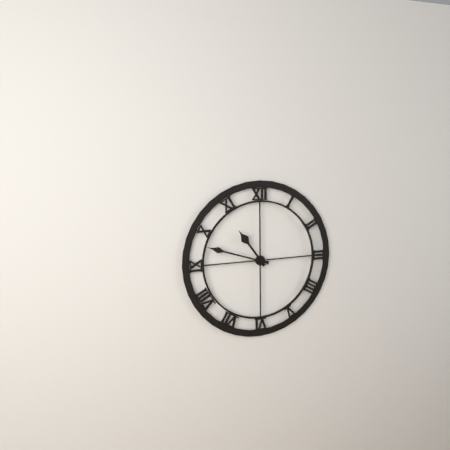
10:48
